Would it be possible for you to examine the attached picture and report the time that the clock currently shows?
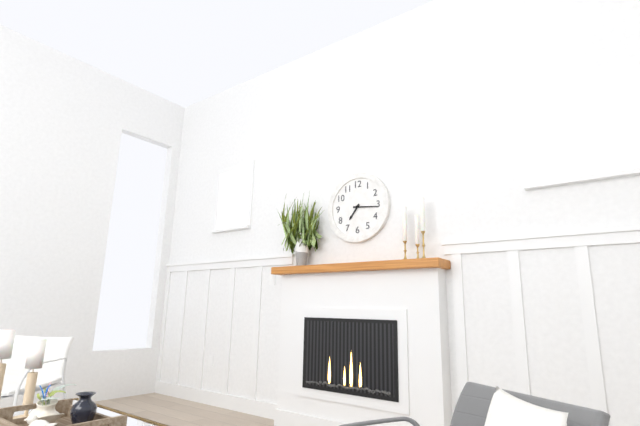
7:16
